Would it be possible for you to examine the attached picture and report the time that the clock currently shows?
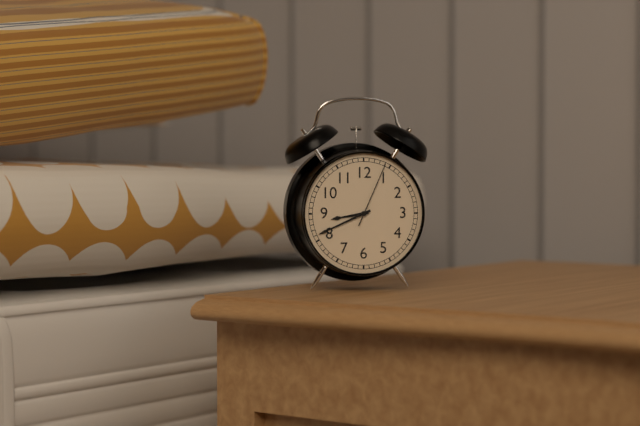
8:41:04
